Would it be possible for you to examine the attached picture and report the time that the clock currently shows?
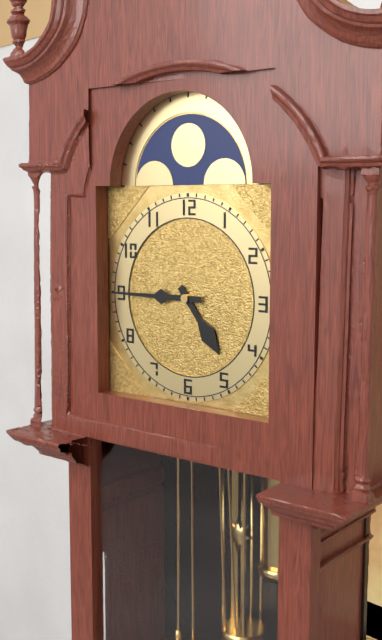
4:45
